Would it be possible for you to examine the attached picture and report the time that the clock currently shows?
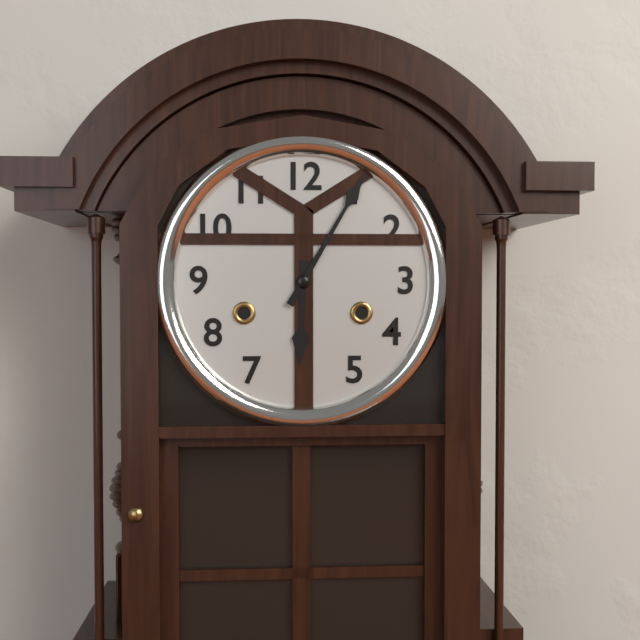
6:05
